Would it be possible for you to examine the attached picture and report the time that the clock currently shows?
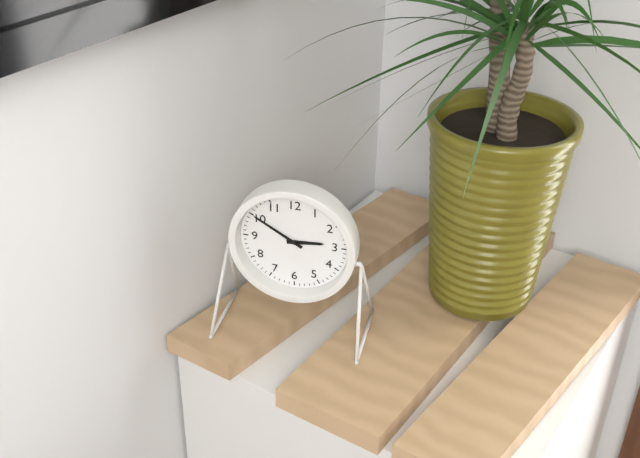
2:50
